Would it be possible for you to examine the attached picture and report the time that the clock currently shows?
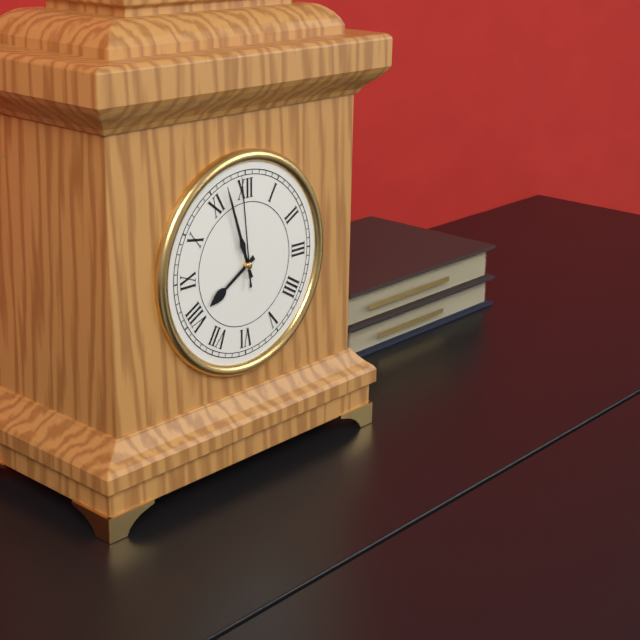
7:57:59
